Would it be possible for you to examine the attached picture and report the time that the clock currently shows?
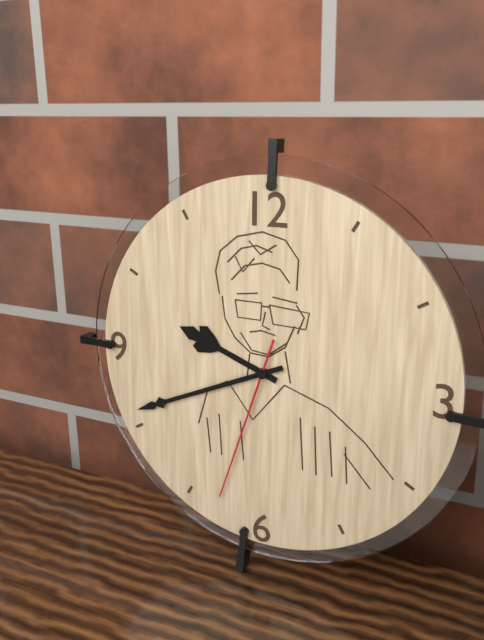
9:41:33
